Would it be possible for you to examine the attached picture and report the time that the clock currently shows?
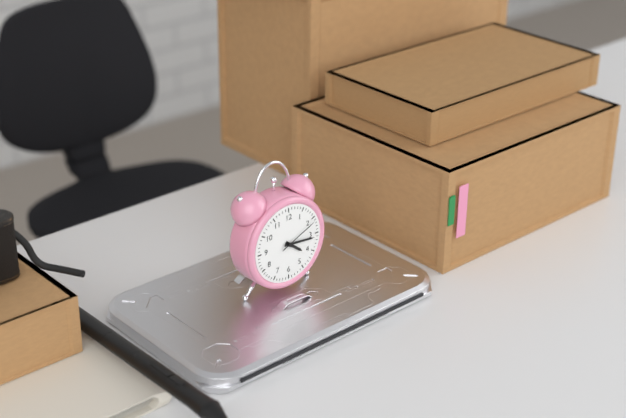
4:16
